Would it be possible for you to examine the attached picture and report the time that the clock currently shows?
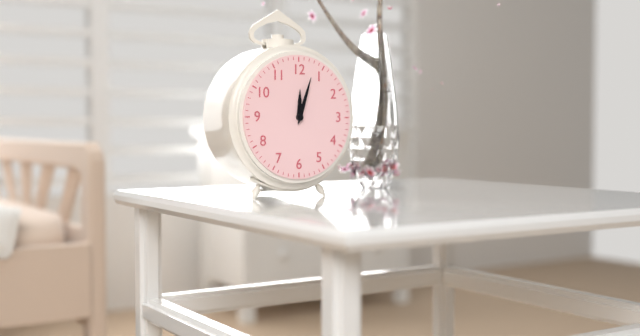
12:03
